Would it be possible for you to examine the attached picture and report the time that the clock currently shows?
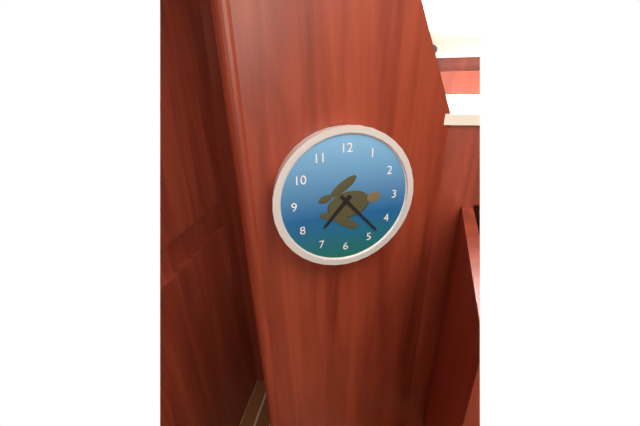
7:23
